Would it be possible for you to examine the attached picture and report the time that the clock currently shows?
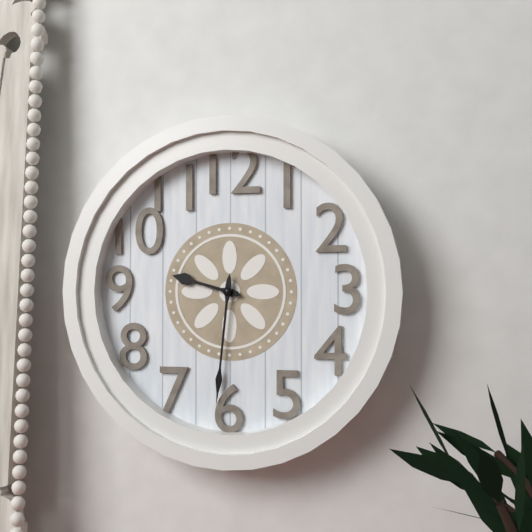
9:31
